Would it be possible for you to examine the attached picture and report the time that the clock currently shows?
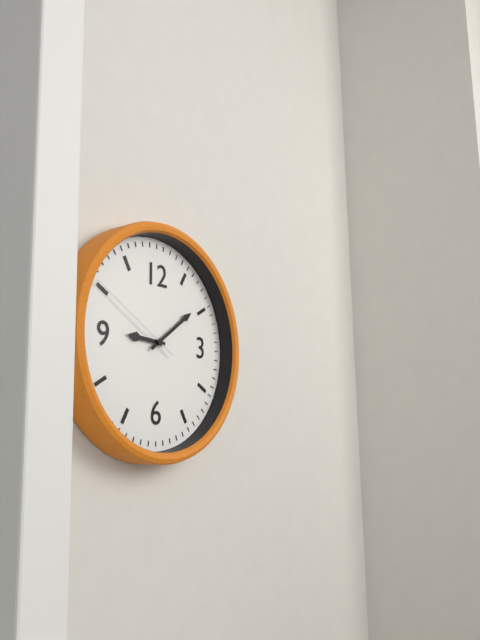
9:09:50
